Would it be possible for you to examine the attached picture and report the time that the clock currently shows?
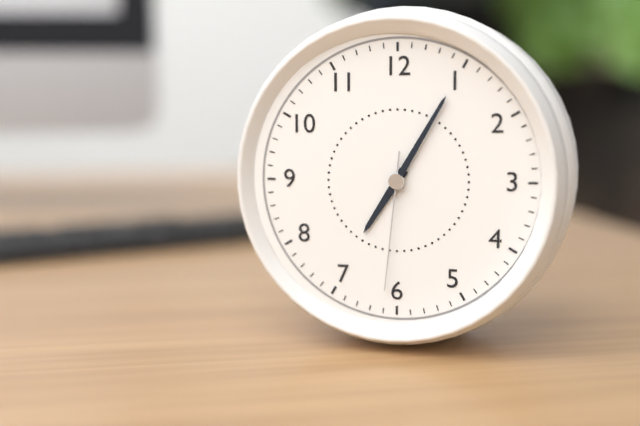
7:05:31
